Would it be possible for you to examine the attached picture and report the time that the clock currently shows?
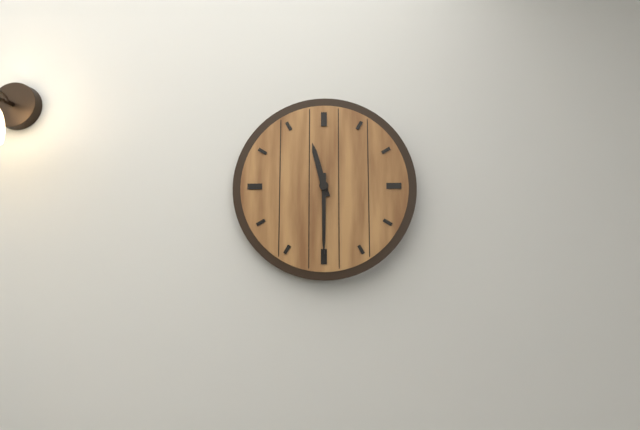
11:30
